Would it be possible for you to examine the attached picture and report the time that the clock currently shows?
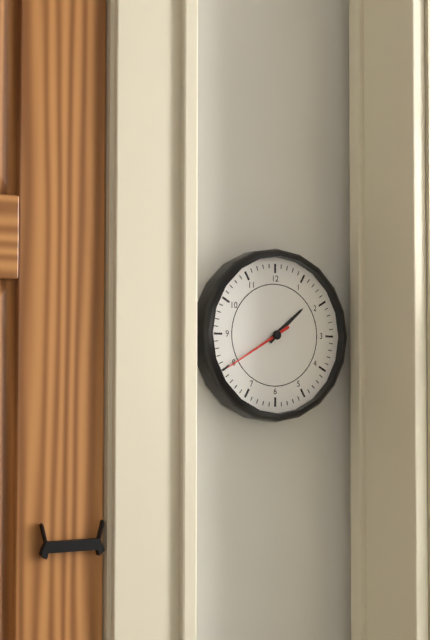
1:40
